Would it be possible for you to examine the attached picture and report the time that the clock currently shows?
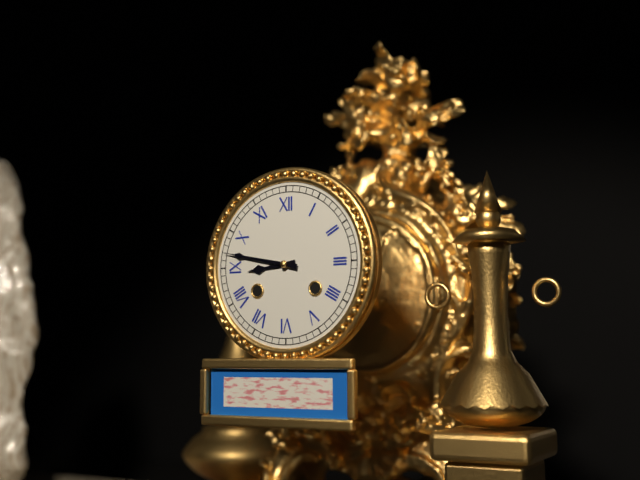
8:47
